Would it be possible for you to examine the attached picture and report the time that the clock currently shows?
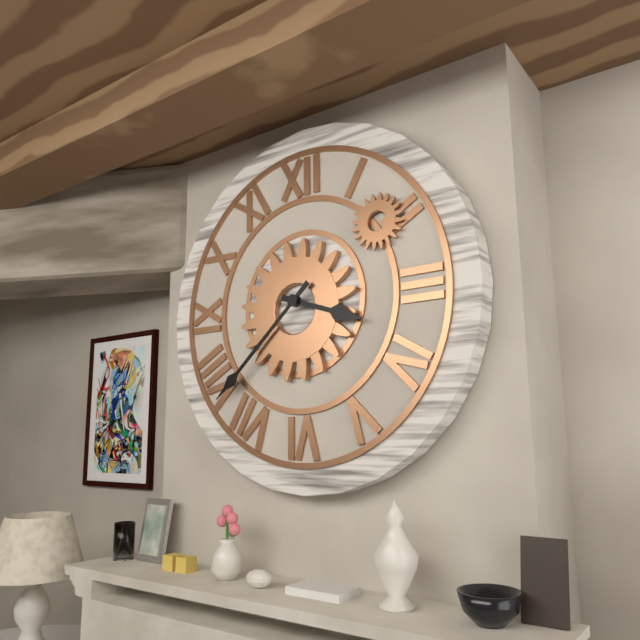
3:38
